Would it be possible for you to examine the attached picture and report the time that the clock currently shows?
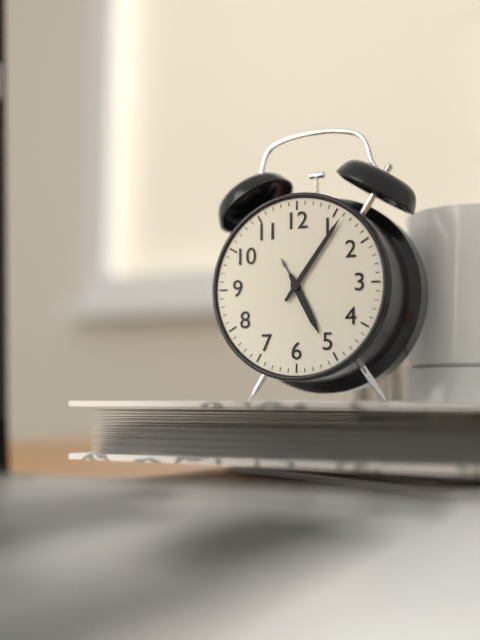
5:06
